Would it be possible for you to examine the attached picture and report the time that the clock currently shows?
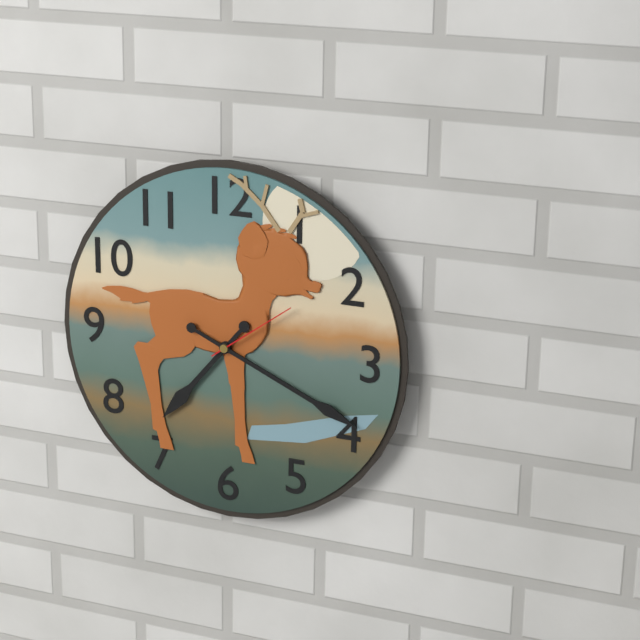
7:19:09
